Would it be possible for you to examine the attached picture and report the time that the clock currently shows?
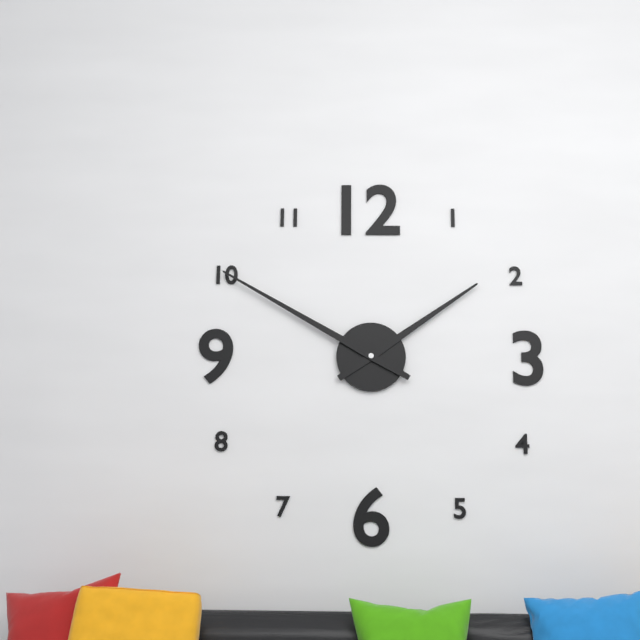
1:50
